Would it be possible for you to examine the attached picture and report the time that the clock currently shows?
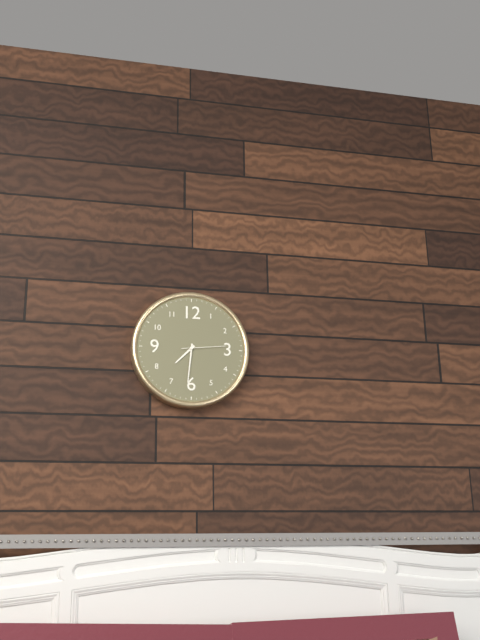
7:31
